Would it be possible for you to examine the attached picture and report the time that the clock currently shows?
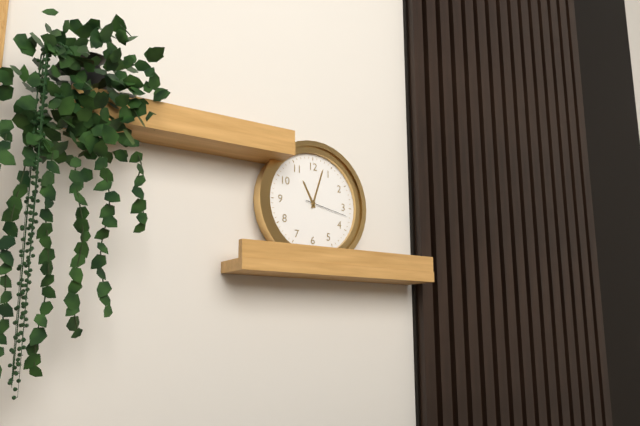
11:03
